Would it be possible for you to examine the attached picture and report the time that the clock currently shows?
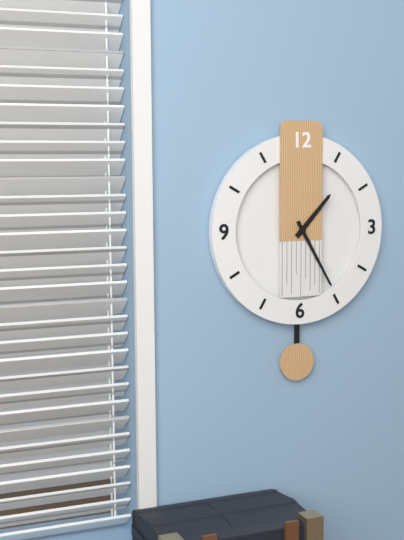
1:25
